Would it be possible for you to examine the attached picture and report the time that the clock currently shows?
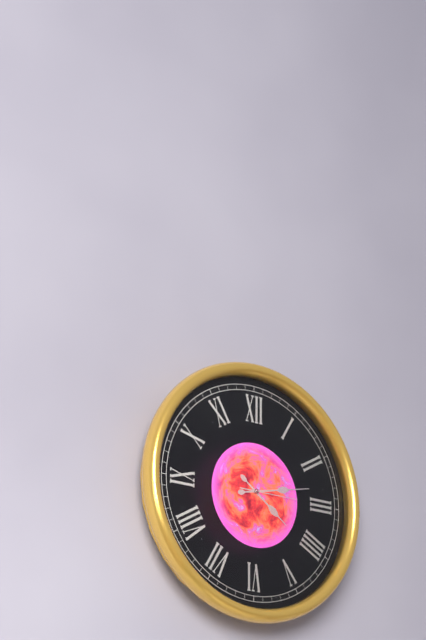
4:13:15
